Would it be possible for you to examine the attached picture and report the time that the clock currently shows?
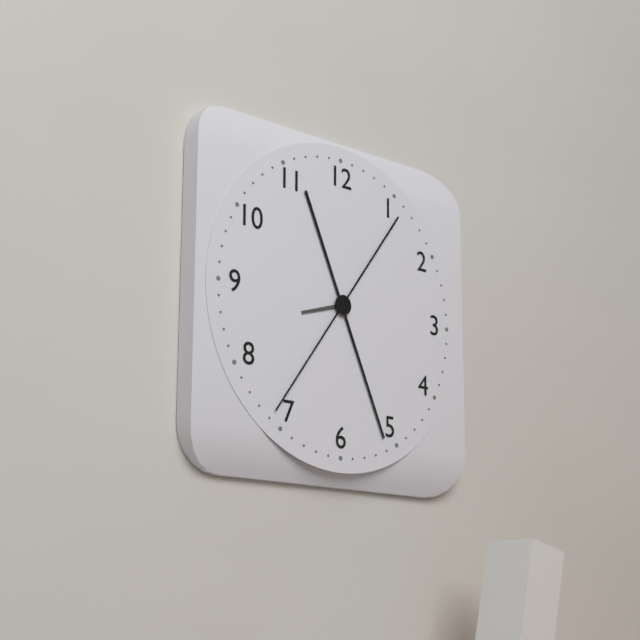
8:26:36
